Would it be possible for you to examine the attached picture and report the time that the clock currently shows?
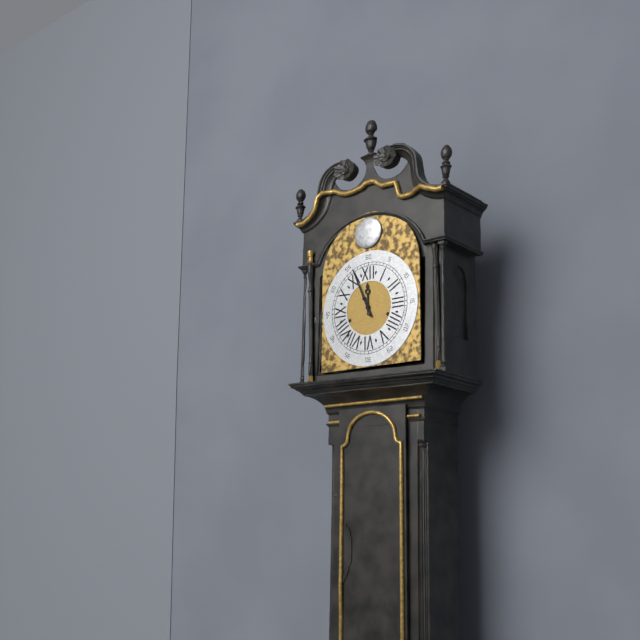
11:56
